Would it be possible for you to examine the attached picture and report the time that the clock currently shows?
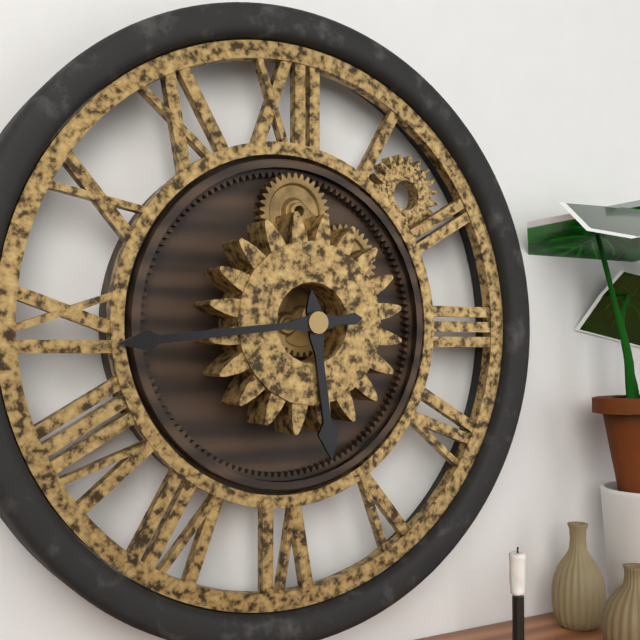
5:44
